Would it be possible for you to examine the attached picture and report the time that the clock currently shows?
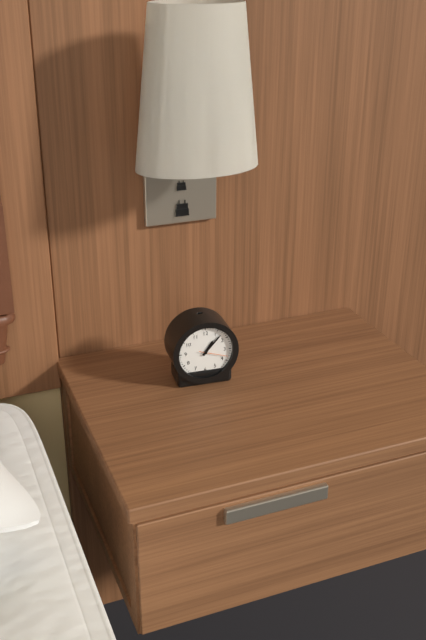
1:07
